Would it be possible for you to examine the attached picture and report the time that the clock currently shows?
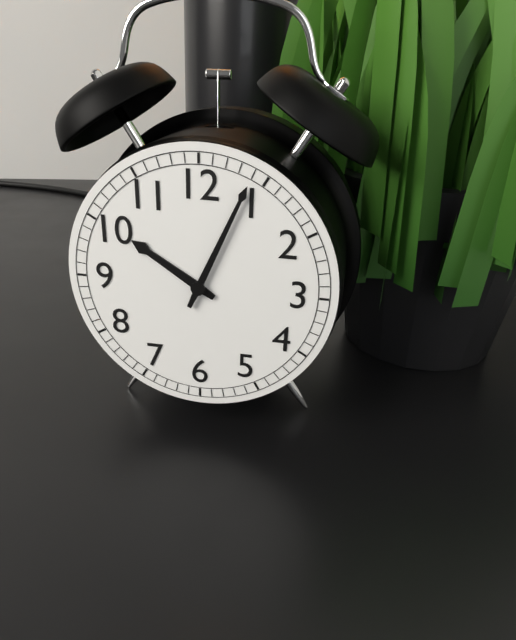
10:04
